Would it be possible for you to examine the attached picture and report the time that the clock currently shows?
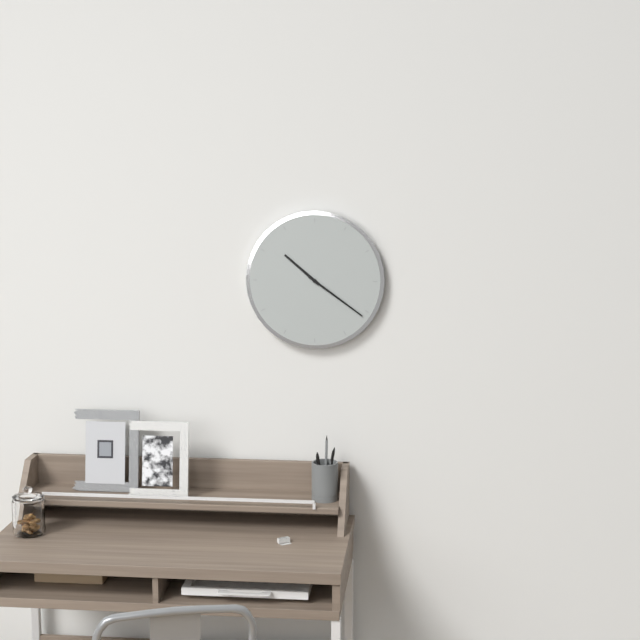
10:21
